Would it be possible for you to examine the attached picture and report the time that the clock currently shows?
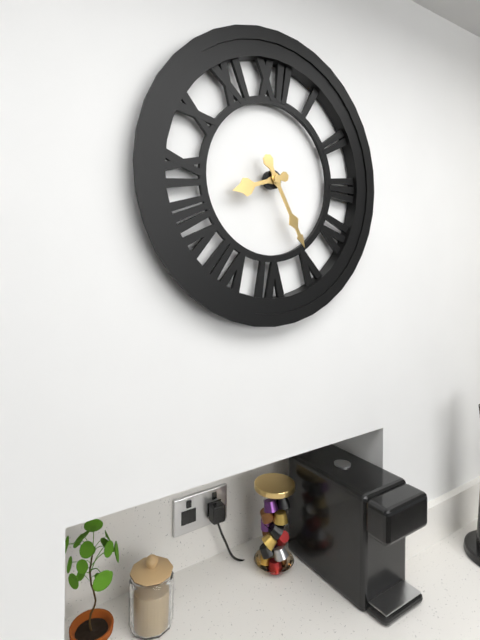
8:25
